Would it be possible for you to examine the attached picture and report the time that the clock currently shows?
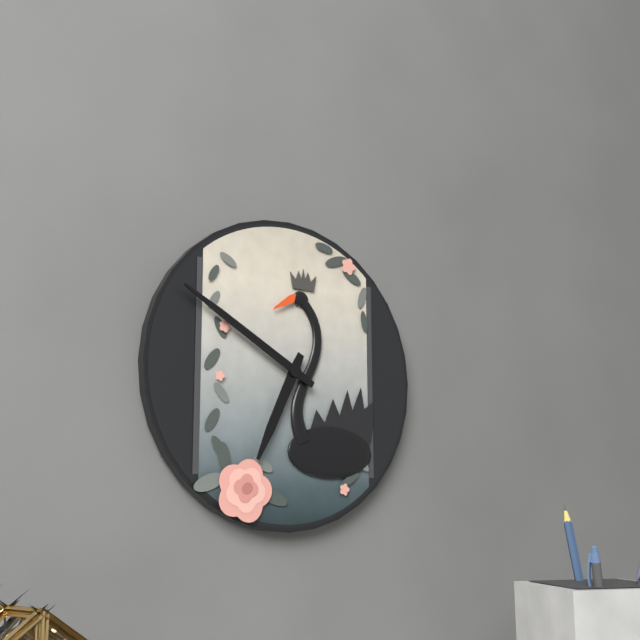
6:50
